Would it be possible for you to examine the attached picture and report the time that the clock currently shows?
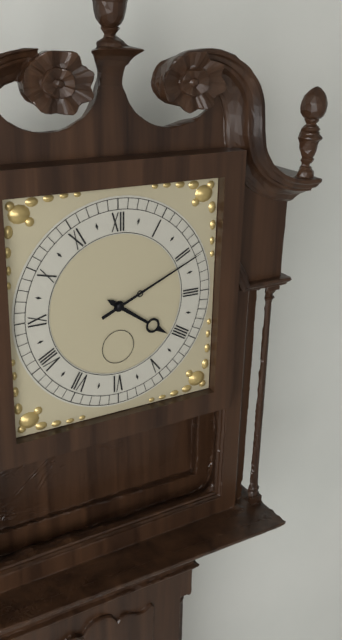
4:11
